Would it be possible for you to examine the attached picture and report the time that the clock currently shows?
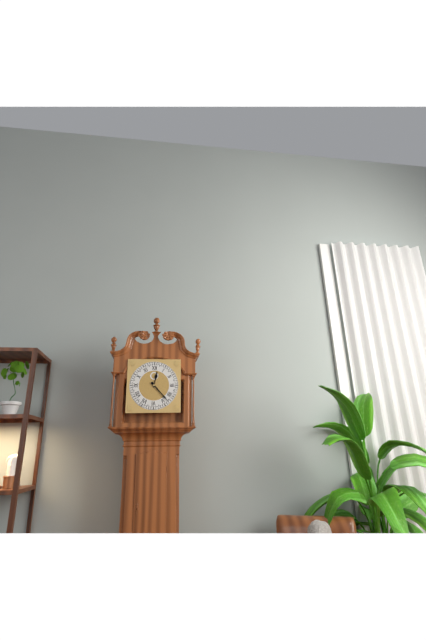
12:23
